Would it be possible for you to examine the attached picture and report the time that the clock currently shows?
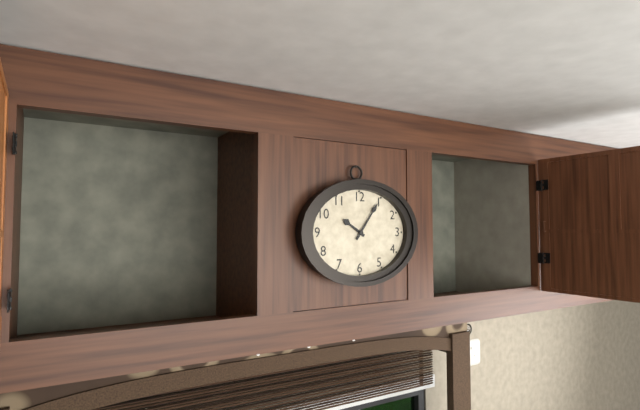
10:06
